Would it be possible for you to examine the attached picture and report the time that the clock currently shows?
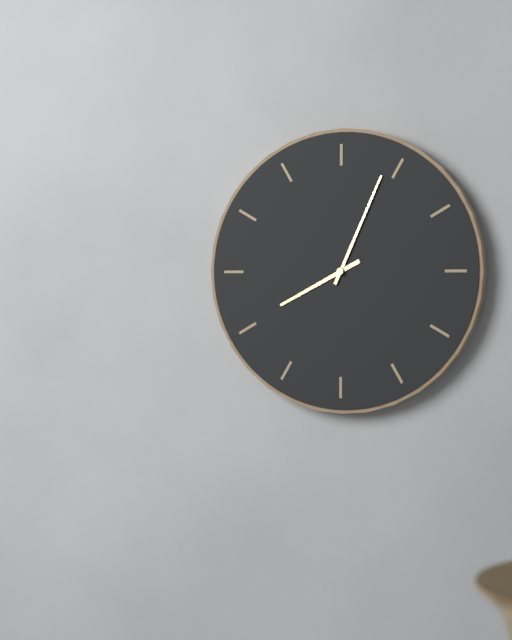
8:04
